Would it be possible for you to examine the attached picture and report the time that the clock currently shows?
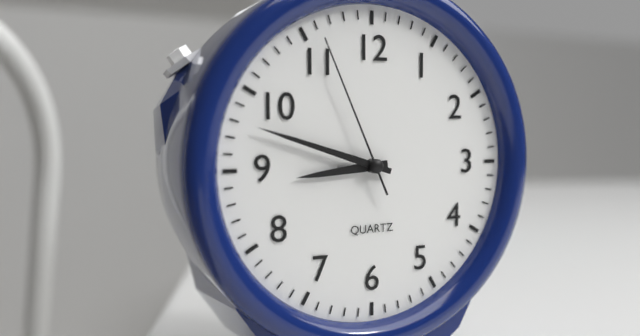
8:48:56
